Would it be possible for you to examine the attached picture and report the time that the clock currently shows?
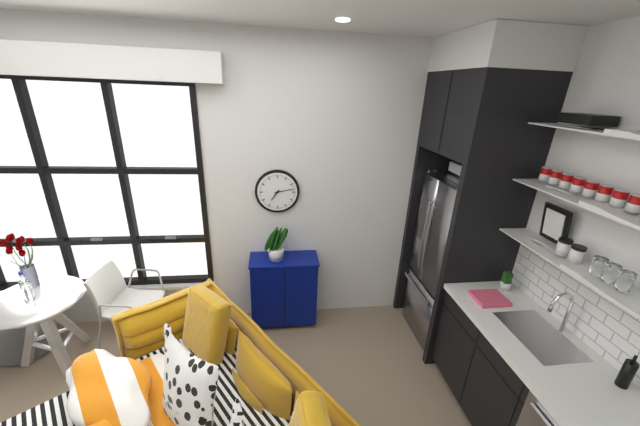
7:13
